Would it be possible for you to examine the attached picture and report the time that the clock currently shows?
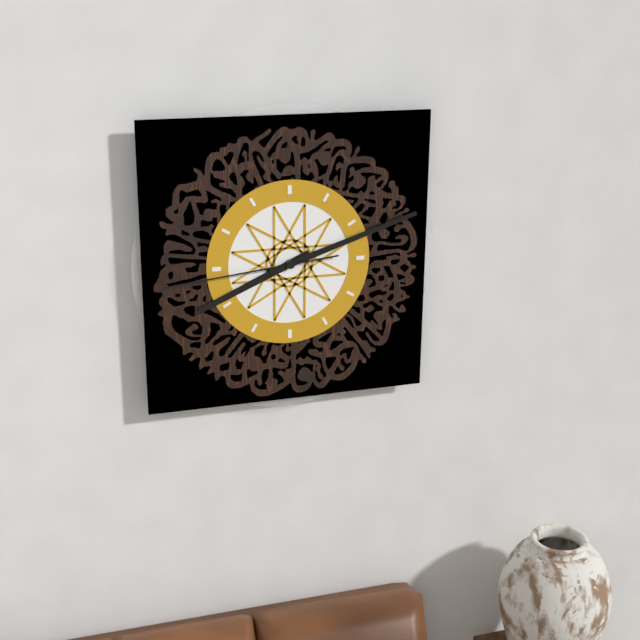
8:12:44
